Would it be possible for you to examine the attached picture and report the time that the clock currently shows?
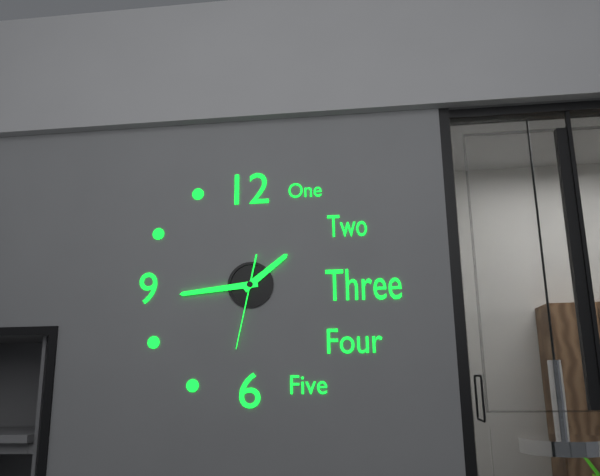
1:44:32
